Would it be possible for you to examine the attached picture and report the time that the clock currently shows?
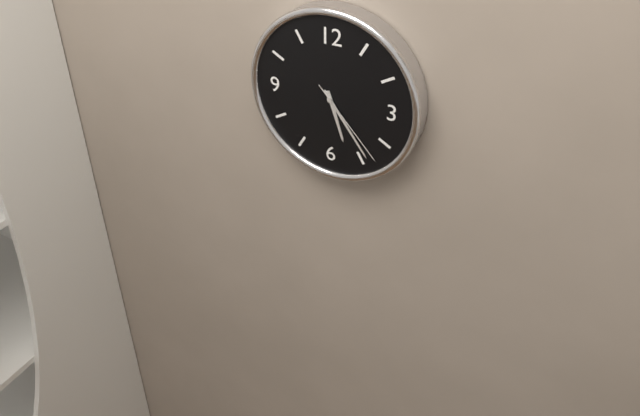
5:24:23
